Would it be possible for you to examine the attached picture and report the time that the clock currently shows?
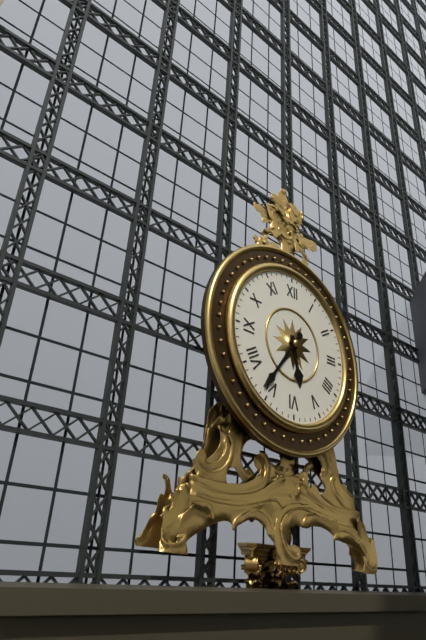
5:36
